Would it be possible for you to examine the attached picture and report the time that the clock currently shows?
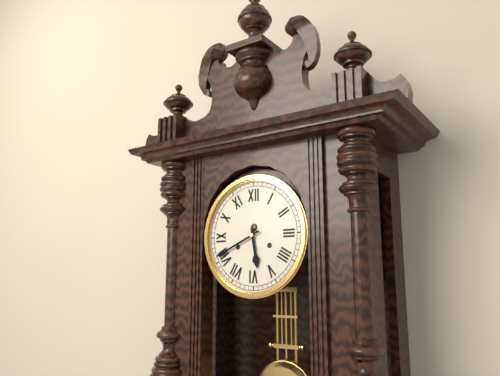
5:41
